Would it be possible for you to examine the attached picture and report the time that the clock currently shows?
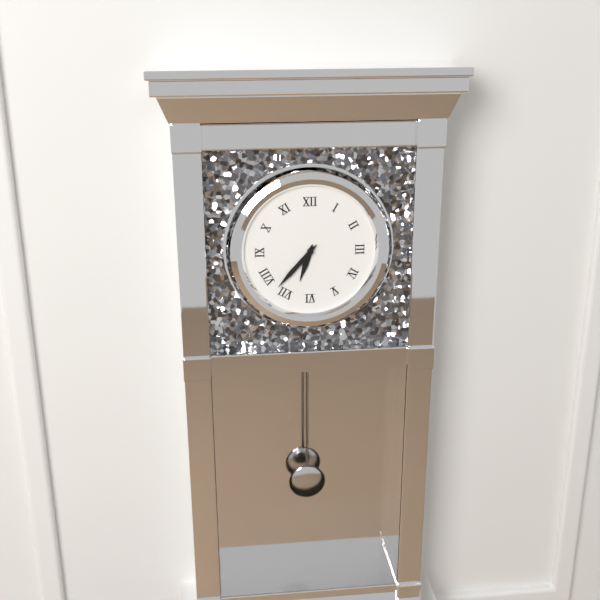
6:37
